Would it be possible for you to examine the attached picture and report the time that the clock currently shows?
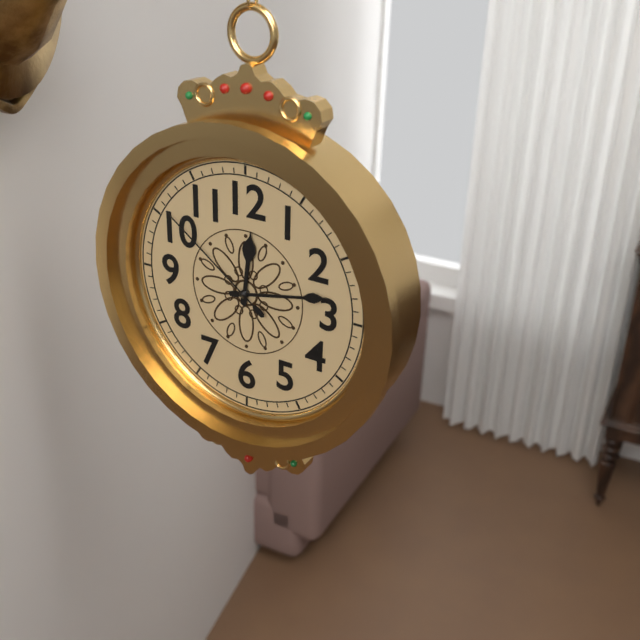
12:13:51
